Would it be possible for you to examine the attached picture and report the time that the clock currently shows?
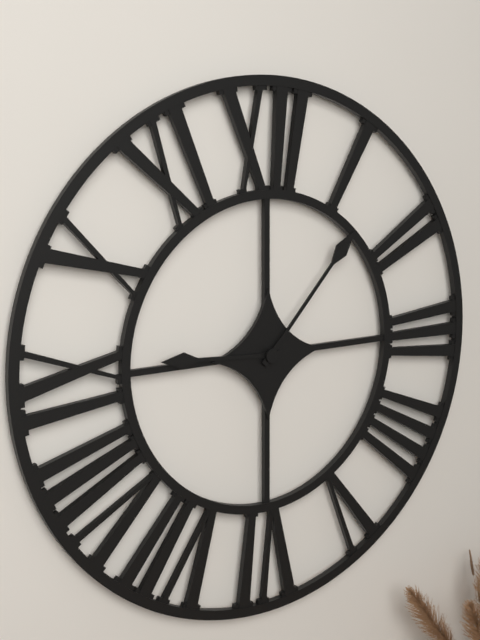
9:07
